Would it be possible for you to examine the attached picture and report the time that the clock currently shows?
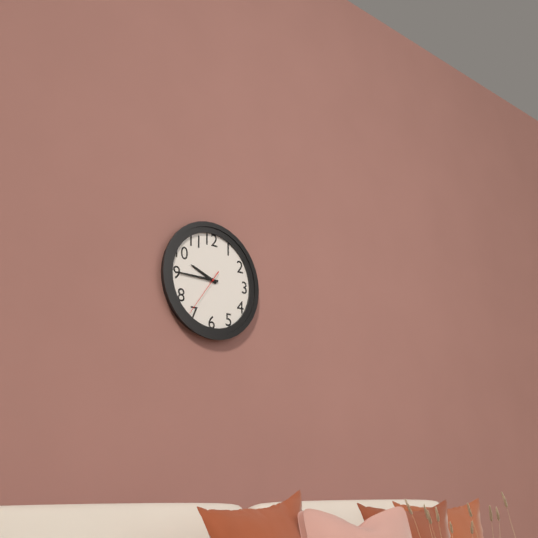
9:45:36
